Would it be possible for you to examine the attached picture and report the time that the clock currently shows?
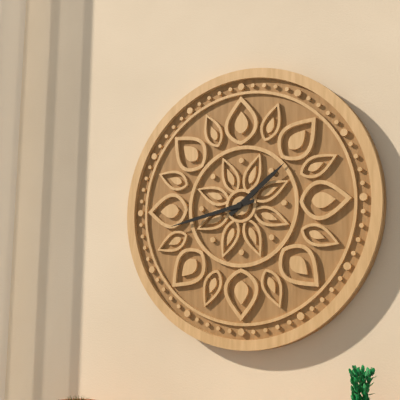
1:43
